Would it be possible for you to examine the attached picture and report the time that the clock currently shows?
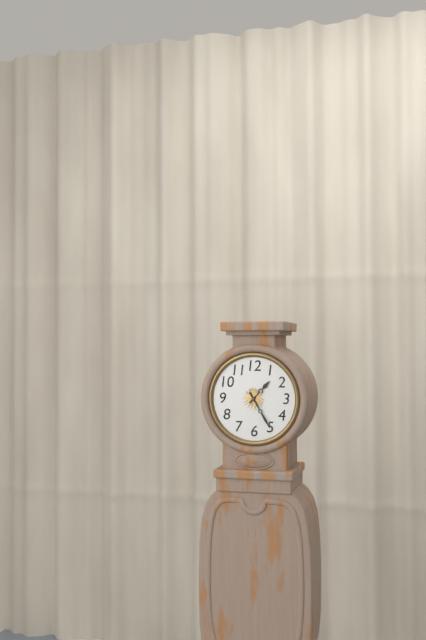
1:25
